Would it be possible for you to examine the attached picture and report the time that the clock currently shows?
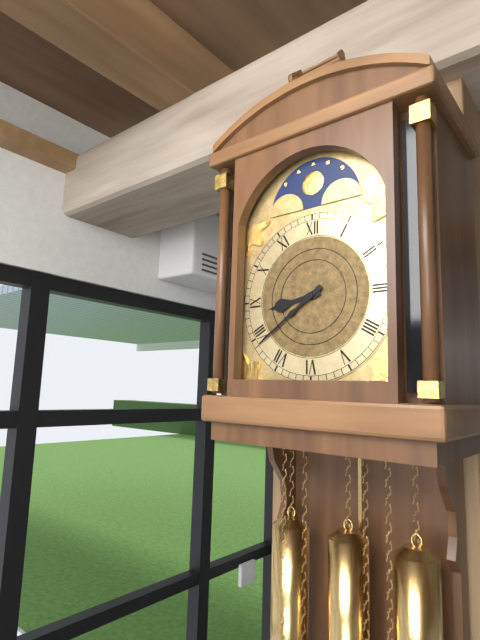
8:39
